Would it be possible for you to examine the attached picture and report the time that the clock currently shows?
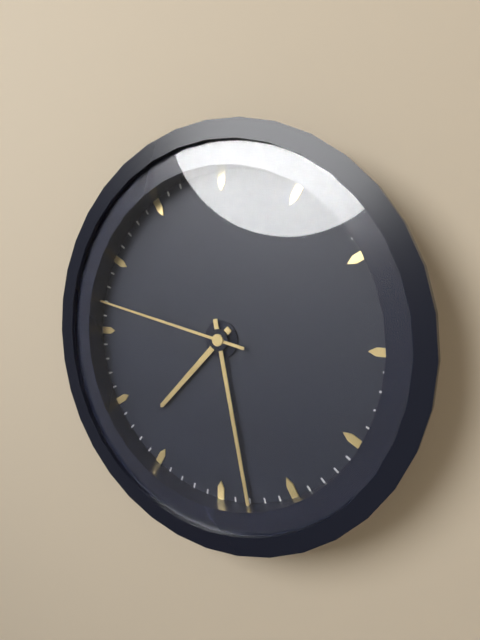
7:28:47
